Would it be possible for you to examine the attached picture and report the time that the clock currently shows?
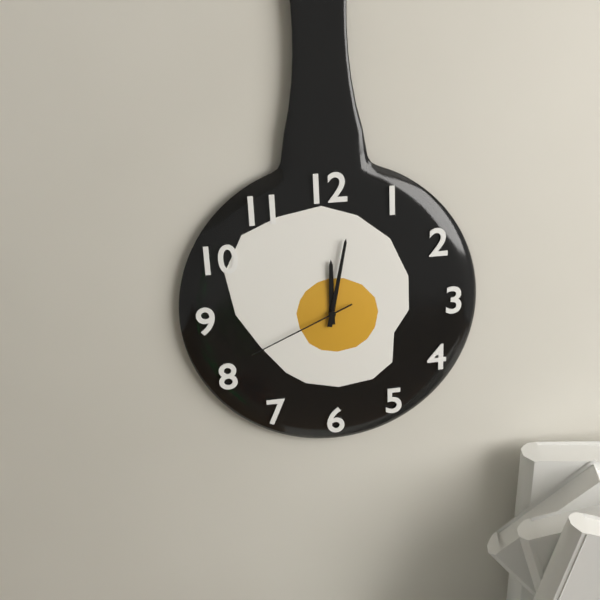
12:02:41
